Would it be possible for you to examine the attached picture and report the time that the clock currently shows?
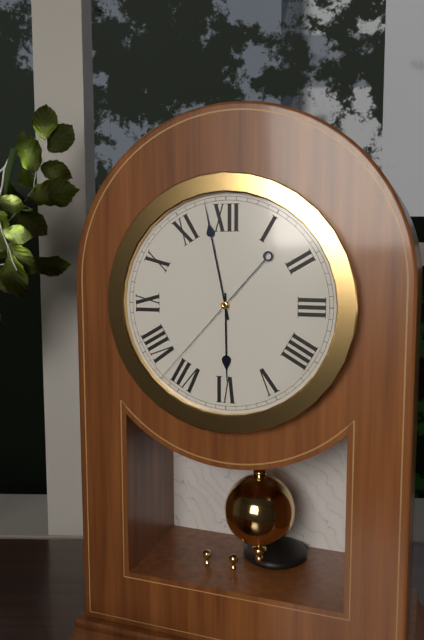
5:58:37
